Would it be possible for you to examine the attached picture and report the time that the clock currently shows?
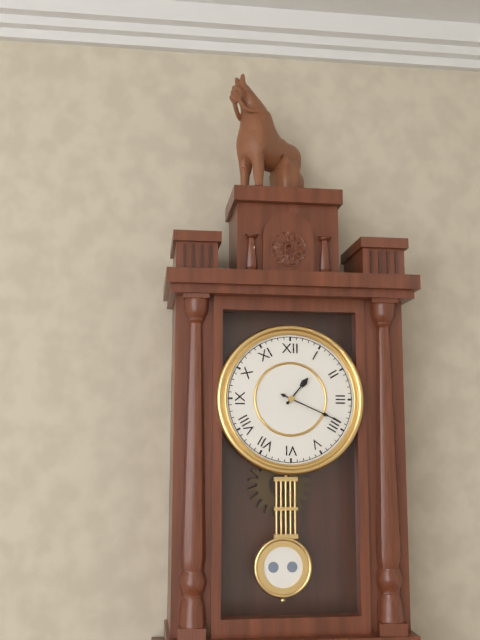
1:19
